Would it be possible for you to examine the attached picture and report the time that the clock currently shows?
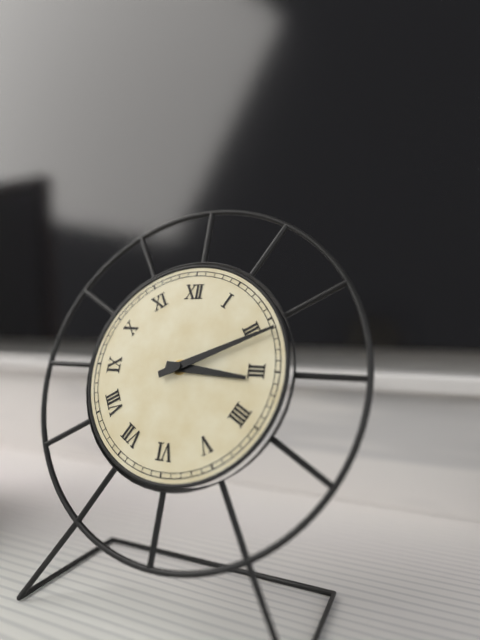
3:11
